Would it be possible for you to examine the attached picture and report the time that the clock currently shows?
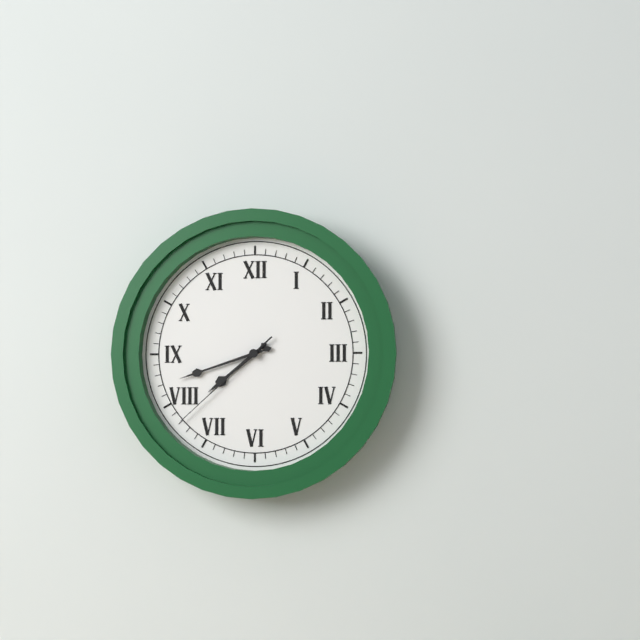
7:42:38
